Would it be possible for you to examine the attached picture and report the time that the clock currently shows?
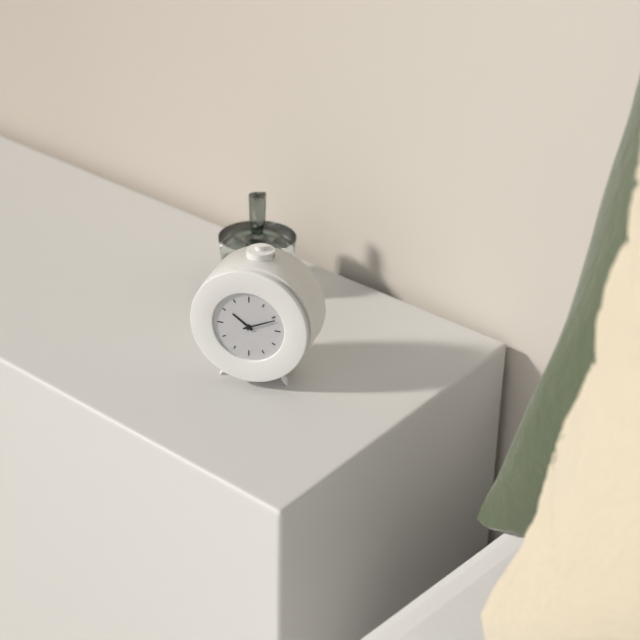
10:11
